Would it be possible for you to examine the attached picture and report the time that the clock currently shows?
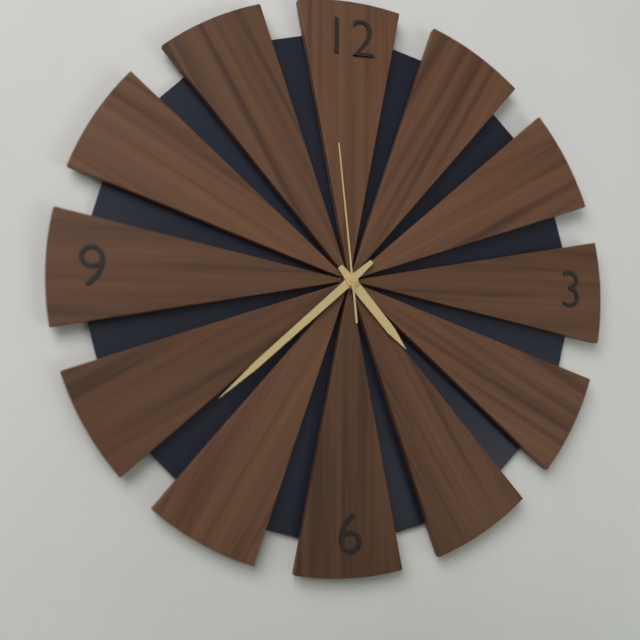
4:38:59
